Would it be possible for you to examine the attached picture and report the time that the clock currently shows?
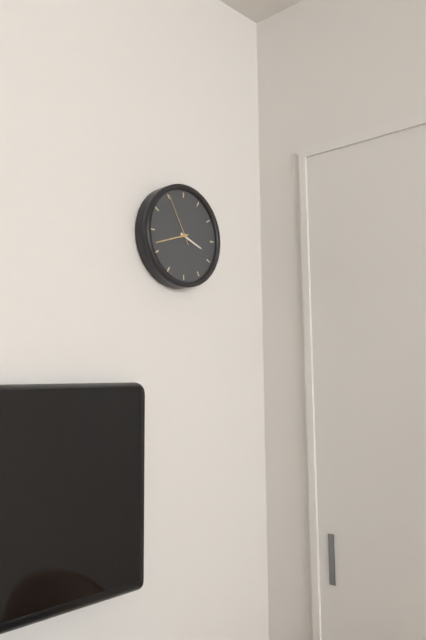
3:42:55
